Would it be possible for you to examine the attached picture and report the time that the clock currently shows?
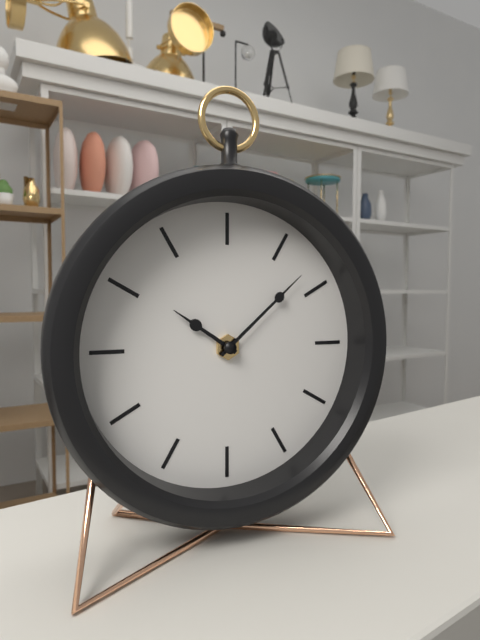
10:08
